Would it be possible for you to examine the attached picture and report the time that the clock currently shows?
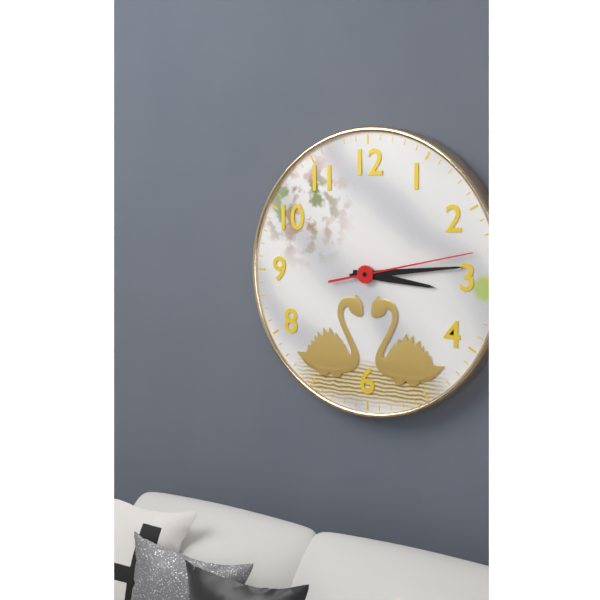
3:14:13
